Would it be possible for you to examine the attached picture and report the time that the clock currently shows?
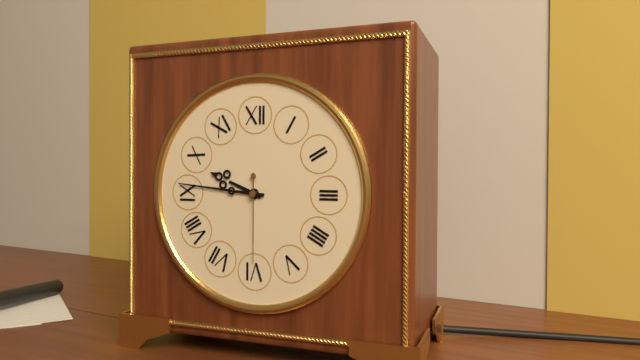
9:46:30
